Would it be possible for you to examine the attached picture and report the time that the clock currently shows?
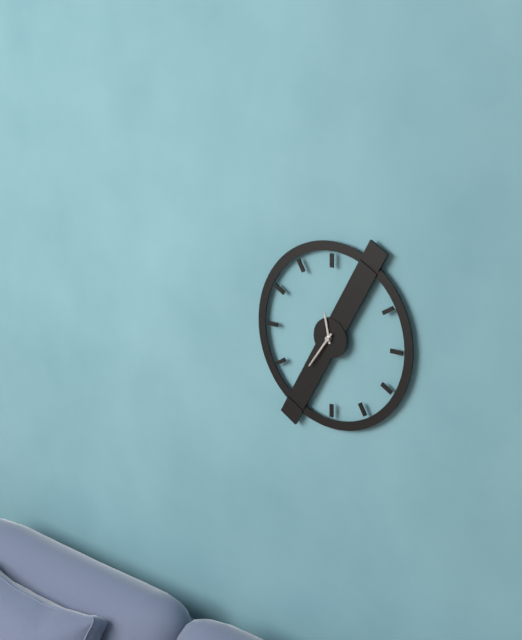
11:36
